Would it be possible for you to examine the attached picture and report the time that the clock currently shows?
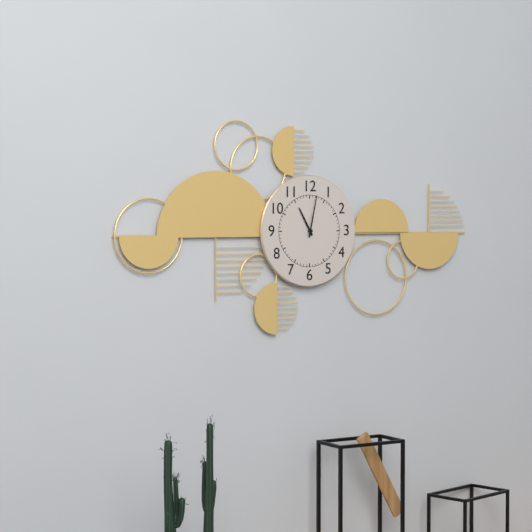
11:02
